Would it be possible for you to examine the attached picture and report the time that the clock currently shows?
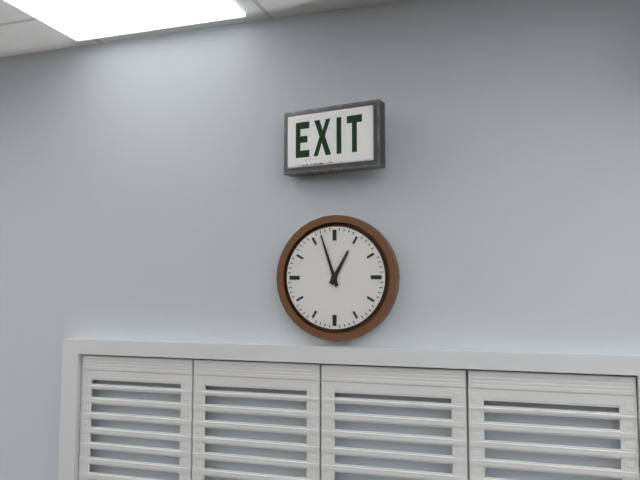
12:57
